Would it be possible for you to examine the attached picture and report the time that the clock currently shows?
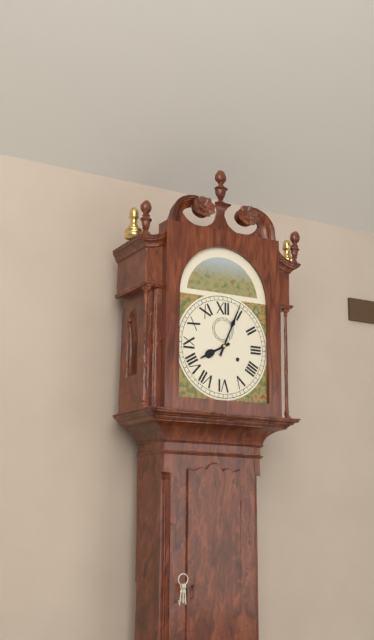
8:04
